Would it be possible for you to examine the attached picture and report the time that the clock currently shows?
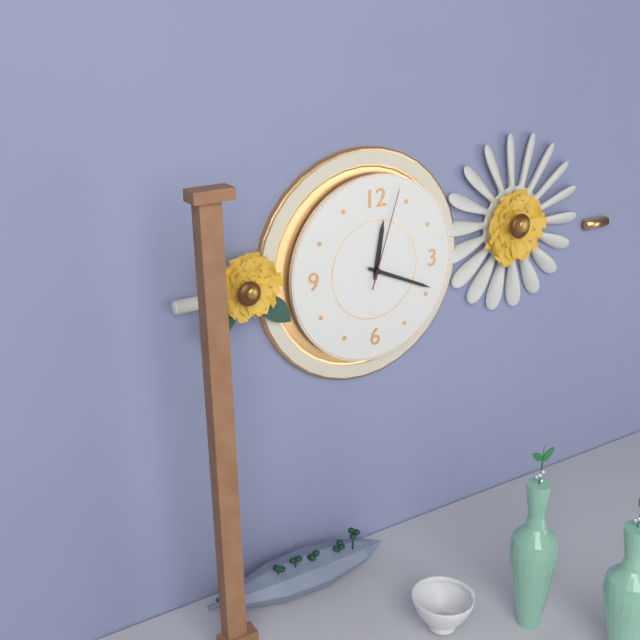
12:19:03
